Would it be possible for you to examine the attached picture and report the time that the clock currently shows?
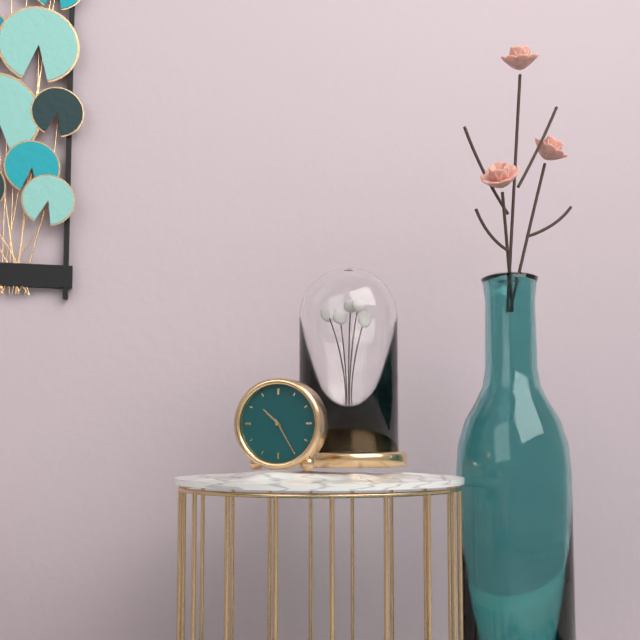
10:25
